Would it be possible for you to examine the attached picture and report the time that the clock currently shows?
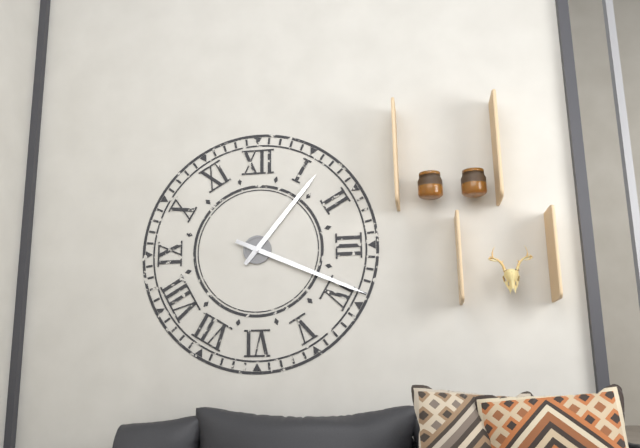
1:19
